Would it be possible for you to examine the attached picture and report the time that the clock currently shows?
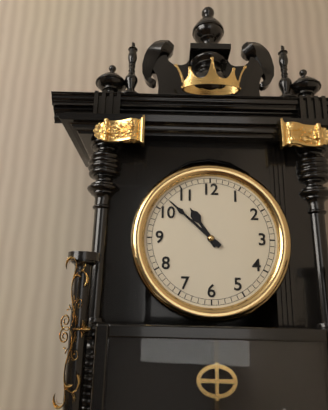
10:52
